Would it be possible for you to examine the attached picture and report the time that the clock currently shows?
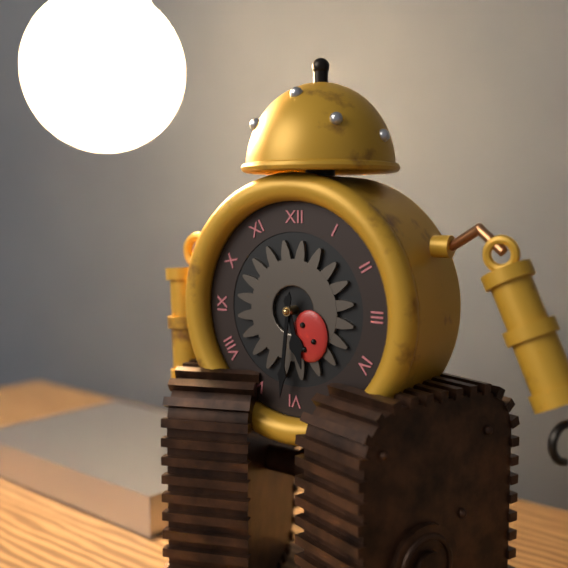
5:31
